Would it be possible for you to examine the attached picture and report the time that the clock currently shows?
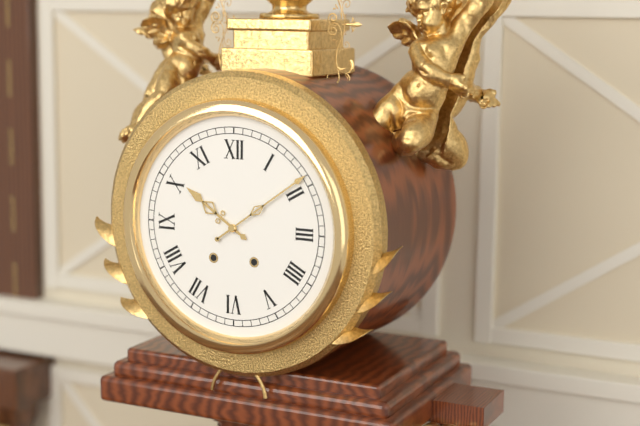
10:09
